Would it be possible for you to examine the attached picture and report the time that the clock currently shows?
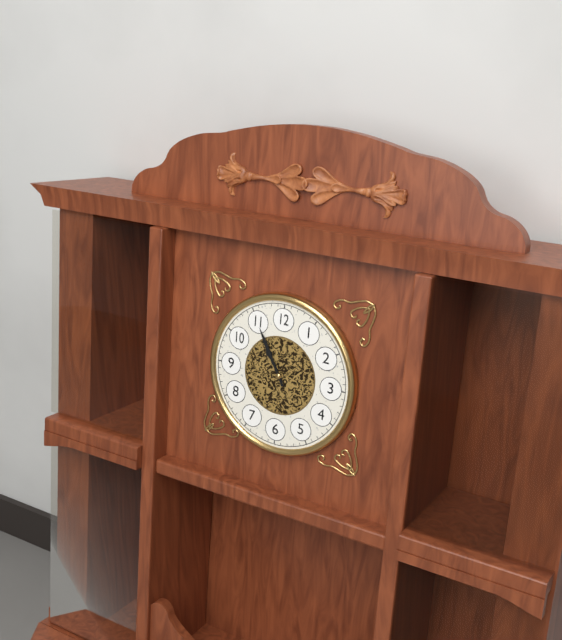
10:55
